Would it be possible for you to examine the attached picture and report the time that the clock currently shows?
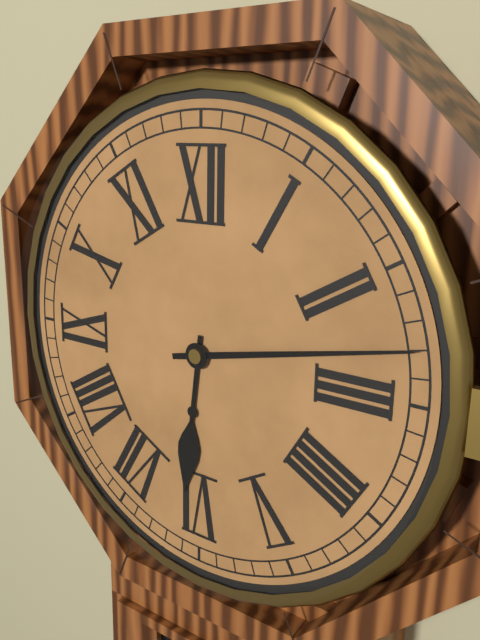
6:13
